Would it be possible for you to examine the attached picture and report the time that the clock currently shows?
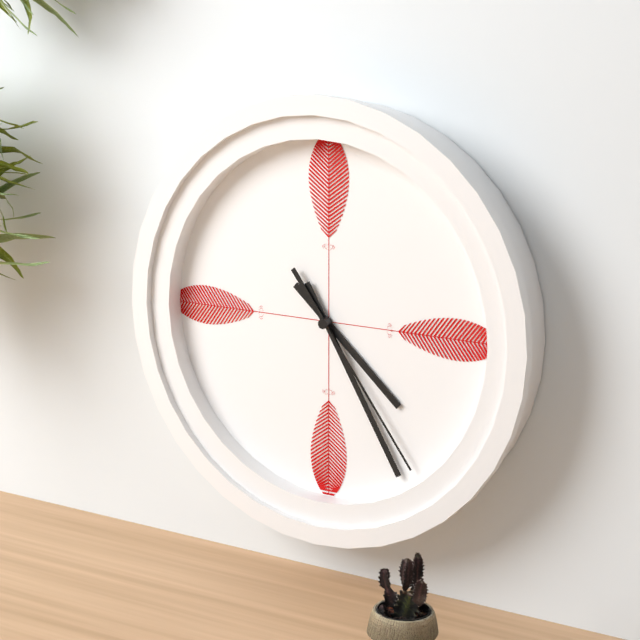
4:25:24
